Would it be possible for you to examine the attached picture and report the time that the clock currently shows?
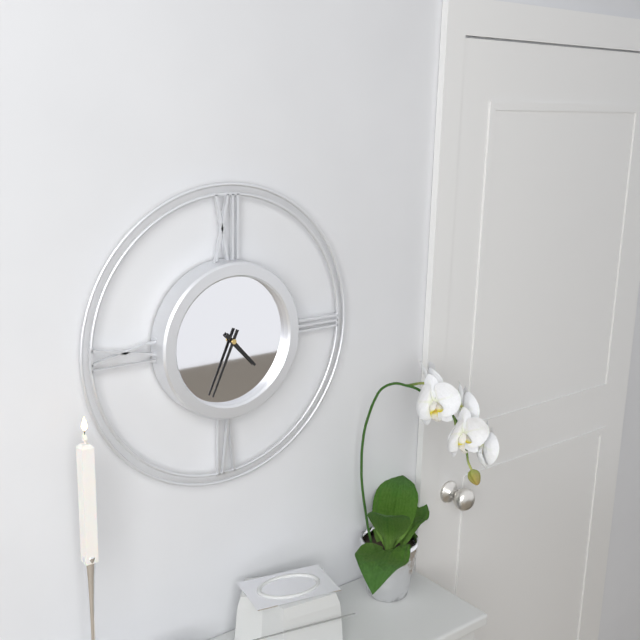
4:34
